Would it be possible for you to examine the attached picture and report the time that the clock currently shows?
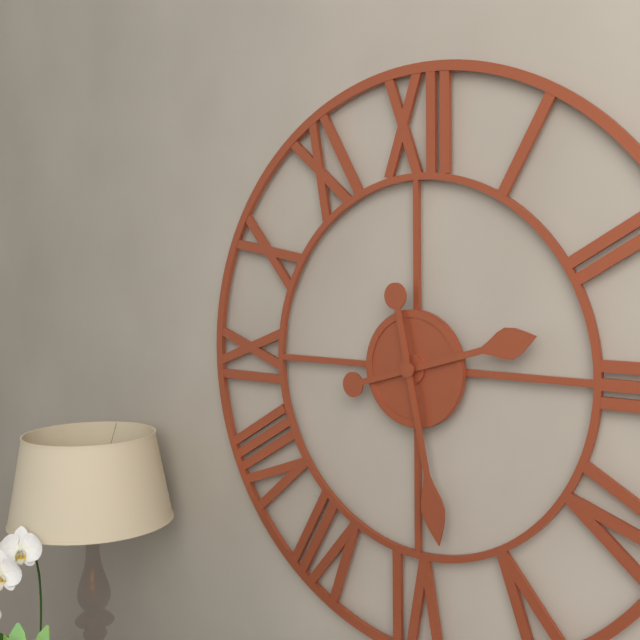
2:28
